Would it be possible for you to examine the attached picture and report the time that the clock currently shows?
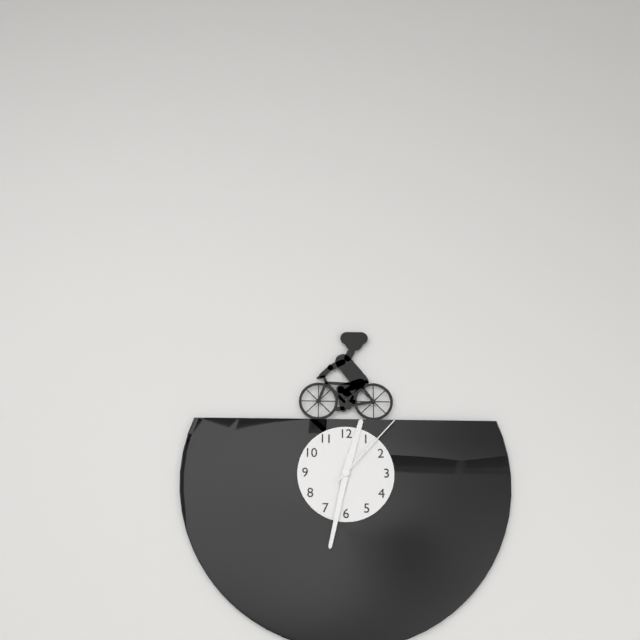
12:32:07
